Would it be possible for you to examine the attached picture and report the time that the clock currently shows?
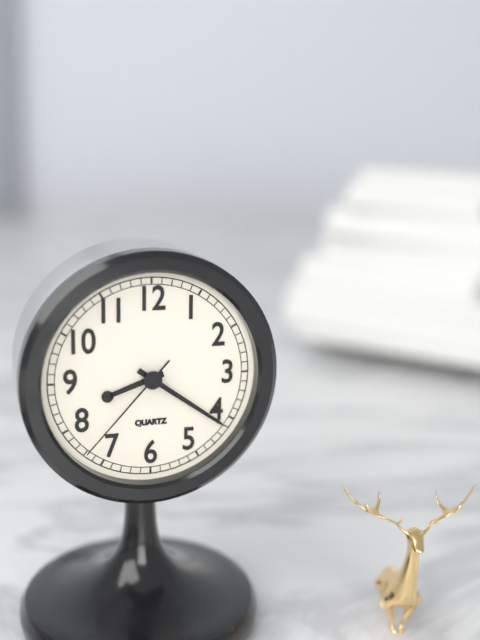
8:21:37
